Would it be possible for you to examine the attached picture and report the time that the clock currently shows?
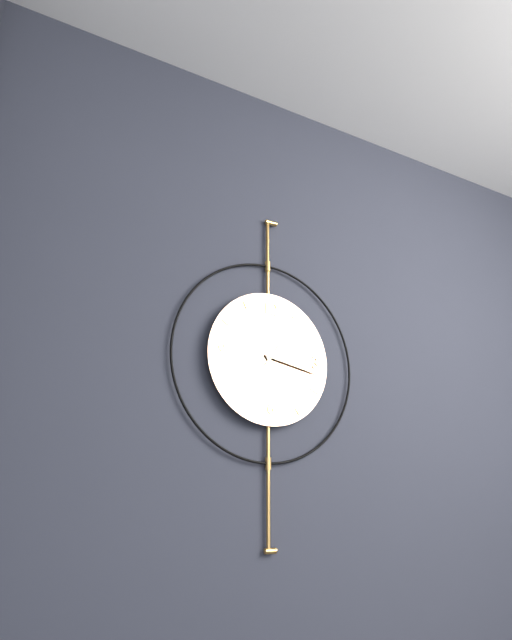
2:17:06
